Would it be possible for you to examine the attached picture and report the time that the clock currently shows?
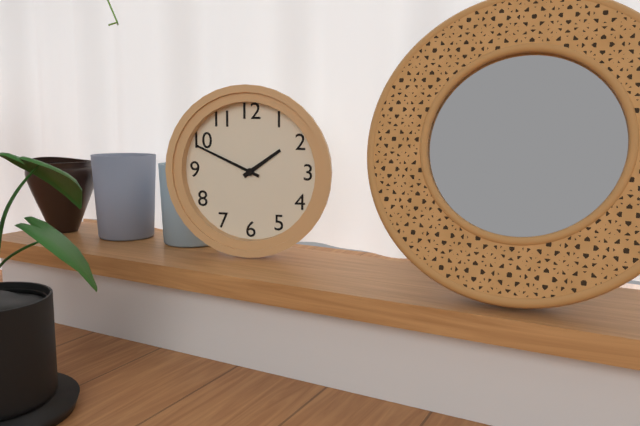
1:49
